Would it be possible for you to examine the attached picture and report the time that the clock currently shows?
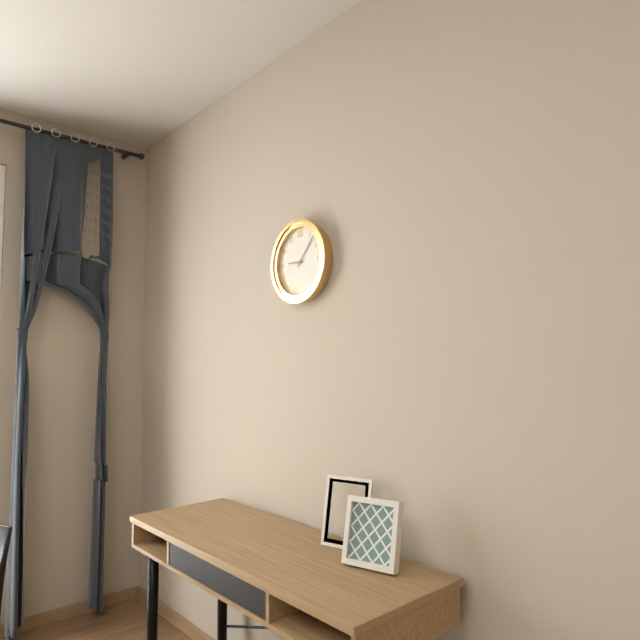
9:07
